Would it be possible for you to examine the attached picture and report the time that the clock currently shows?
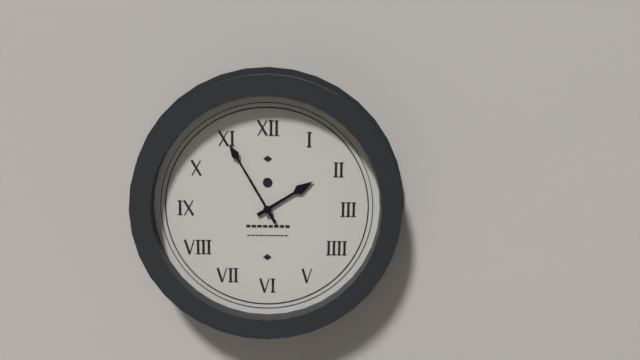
1:55
